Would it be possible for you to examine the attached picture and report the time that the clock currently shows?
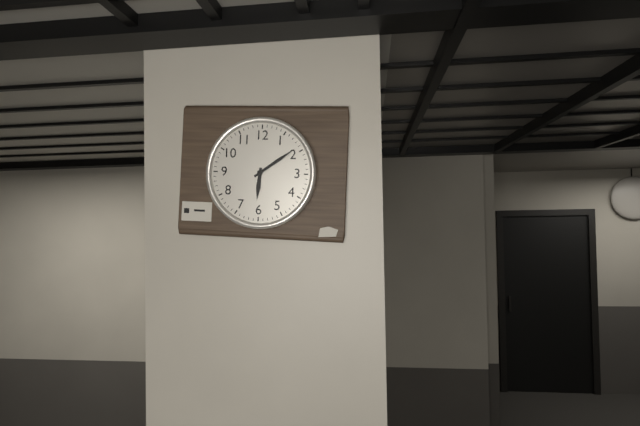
6:09
